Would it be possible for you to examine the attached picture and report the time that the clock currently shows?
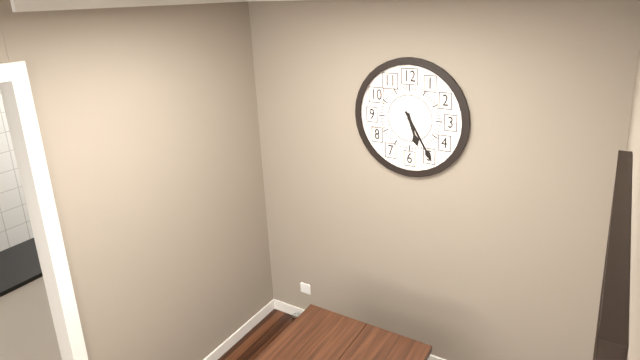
5:25
